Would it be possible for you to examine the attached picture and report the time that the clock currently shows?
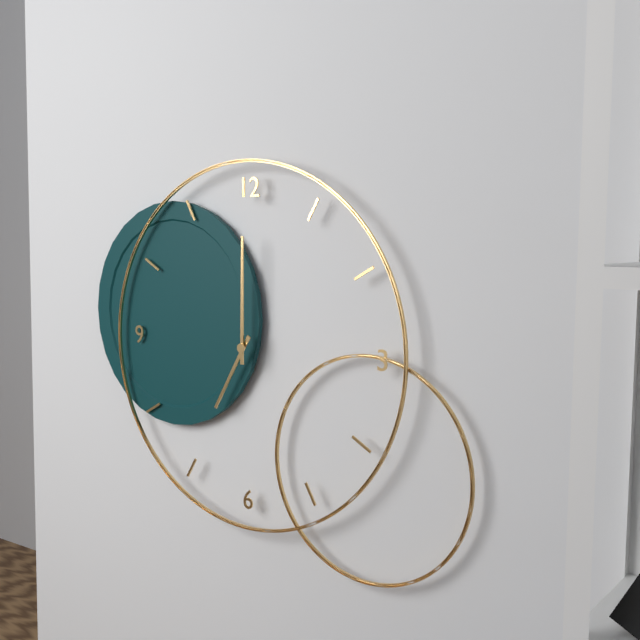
7:00
